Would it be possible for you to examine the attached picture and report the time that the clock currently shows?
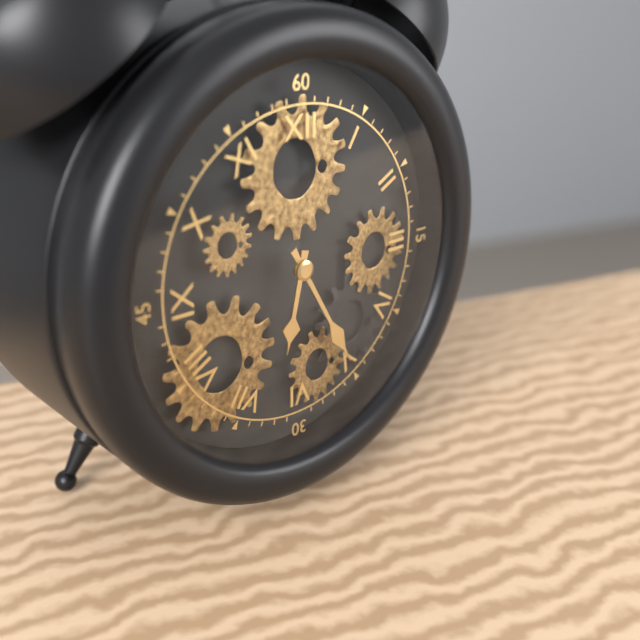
6:25
